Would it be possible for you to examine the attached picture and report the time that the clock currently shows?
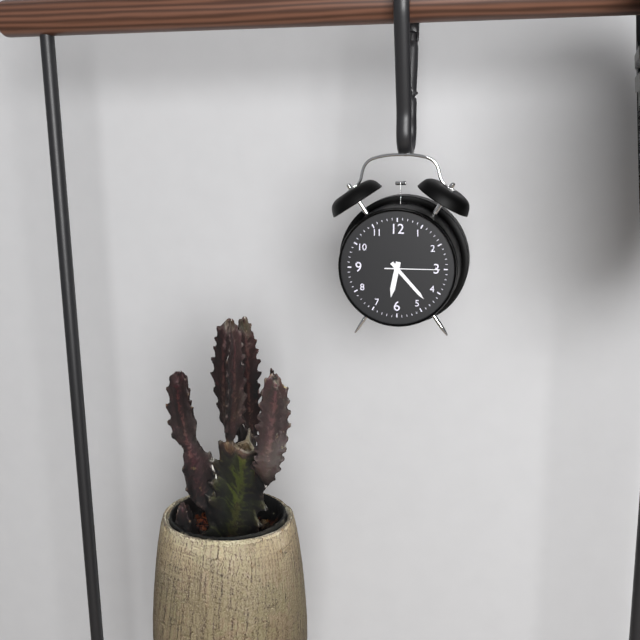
6:23:15
